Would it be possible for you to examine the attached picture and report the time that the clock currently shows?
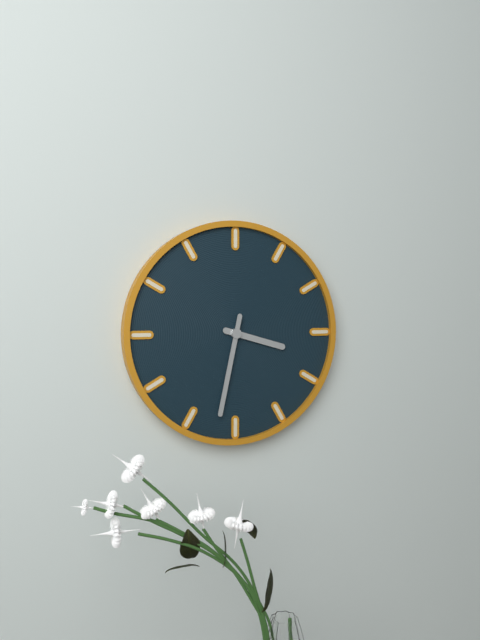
3:32
